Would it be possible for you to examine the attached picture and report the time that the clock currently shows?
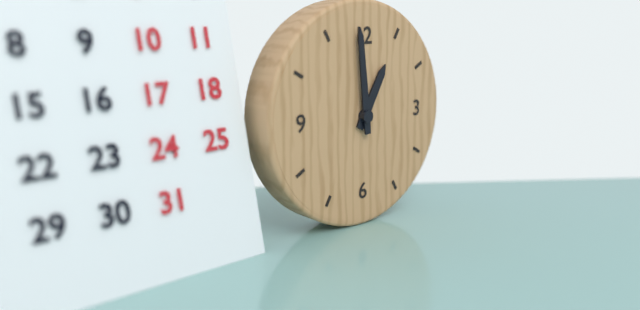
12:59
